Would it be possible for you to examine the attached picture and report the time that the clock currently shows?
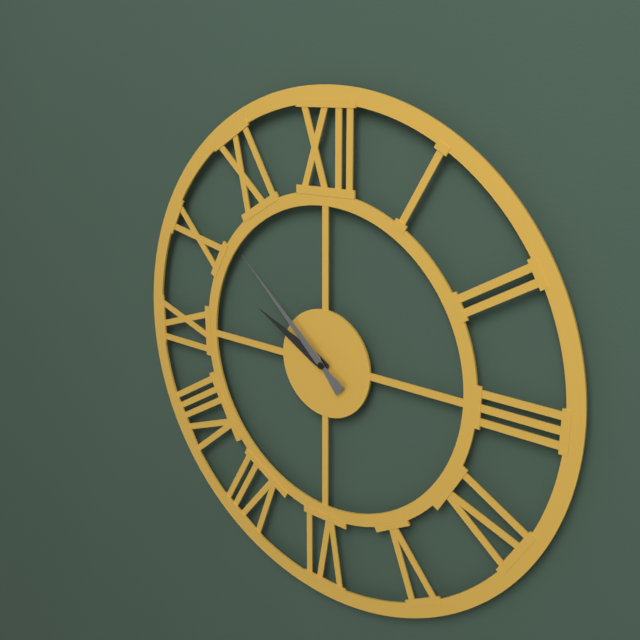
9:52
